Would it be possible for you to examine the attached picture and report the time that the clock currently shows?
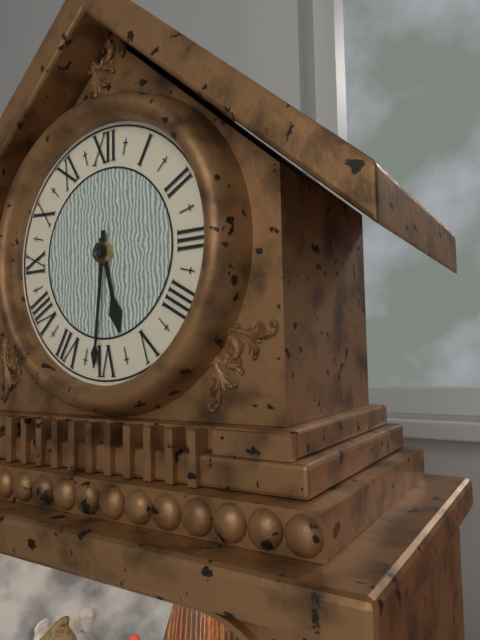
5:31
